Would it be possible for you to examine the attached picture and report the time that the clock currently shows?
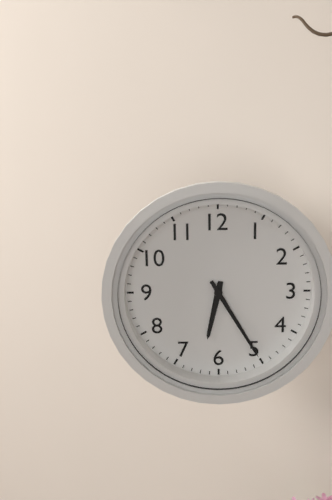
6:25
